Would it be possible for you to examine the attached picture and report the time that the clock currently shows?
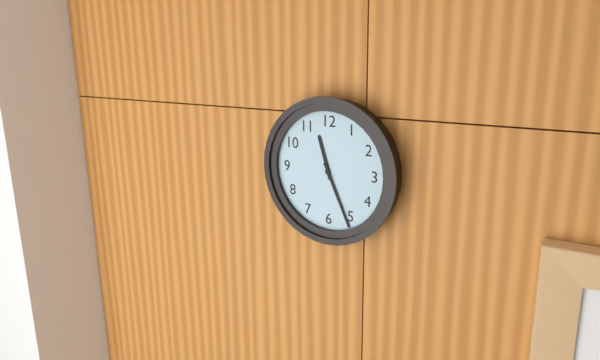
11:26
